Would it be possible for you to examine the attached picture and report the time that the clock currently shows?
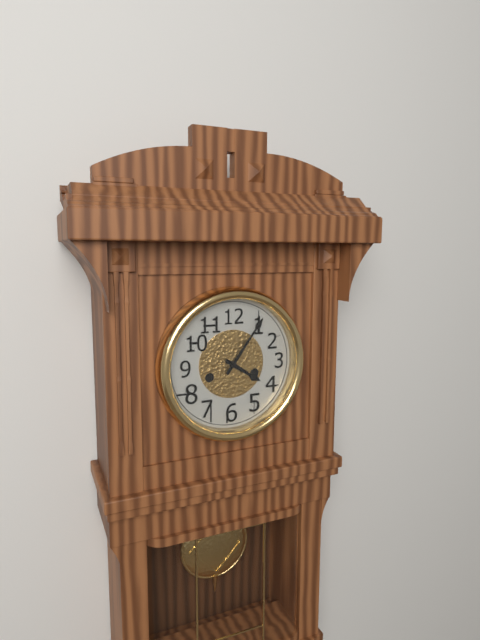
4:06
